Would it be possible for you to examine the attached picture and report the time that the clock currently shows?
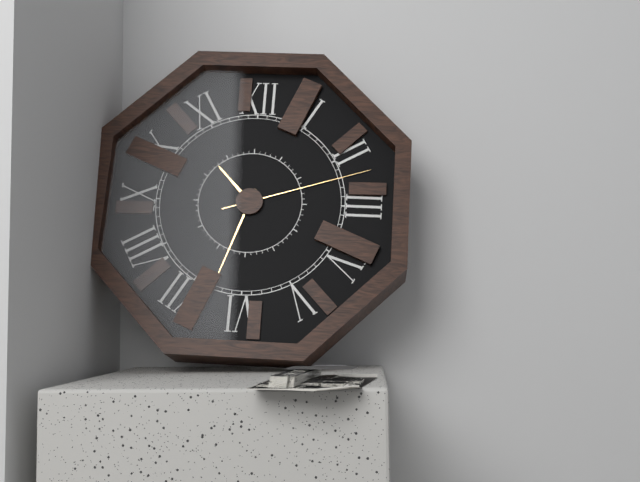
10:33:12
